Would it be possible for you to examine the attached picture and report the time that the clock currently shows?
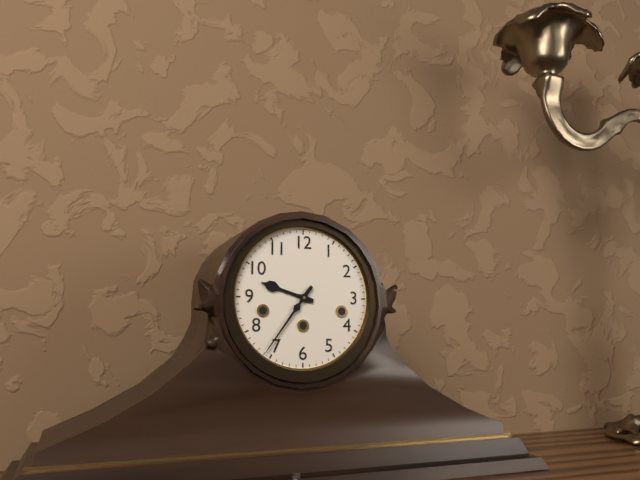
9:36
